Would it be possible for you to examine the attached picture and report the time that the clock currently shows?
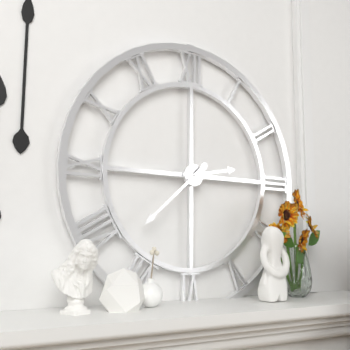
2:38
